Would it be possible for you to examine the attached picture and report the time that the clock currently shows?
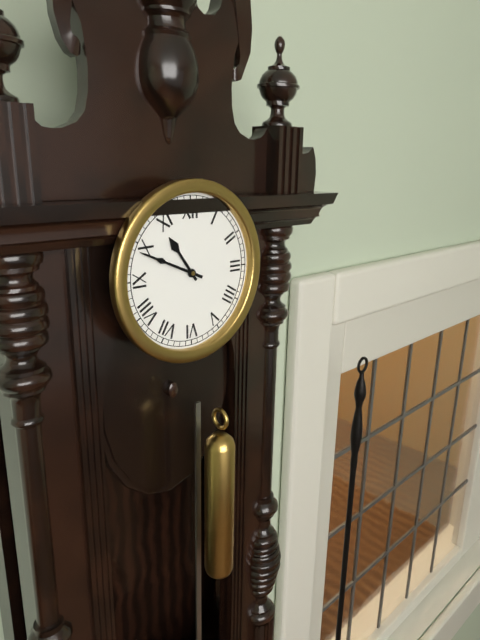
10:49
